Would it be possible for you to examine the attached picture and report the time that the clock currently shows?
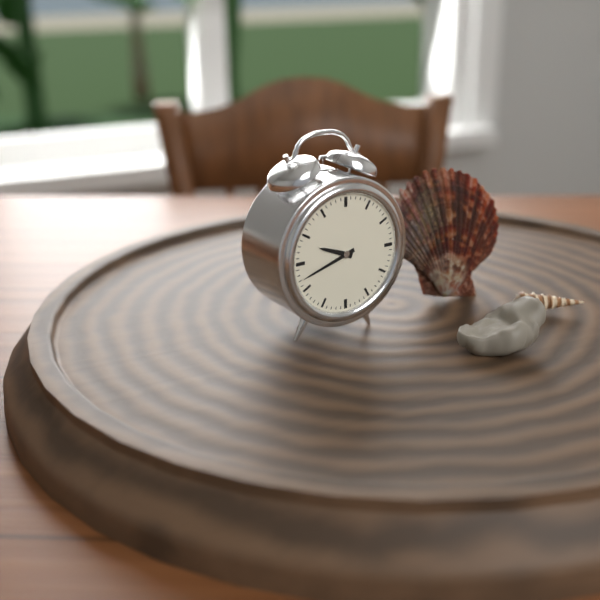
9:42
